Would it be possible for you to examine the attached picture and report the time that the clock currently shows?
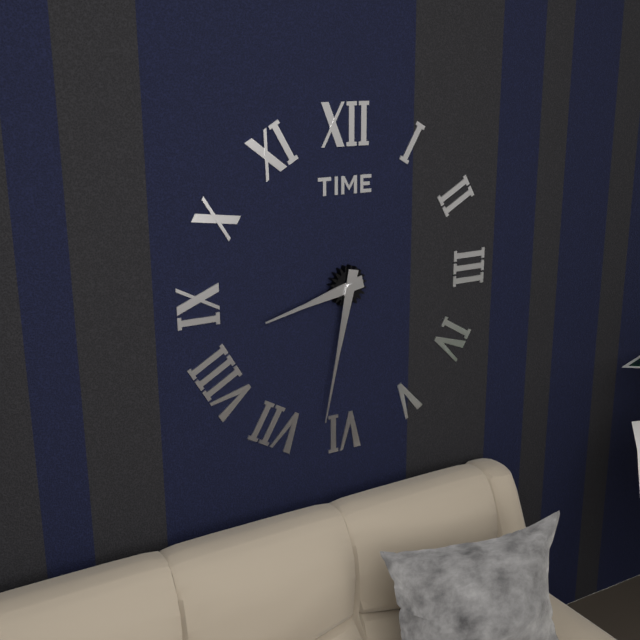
8:32
